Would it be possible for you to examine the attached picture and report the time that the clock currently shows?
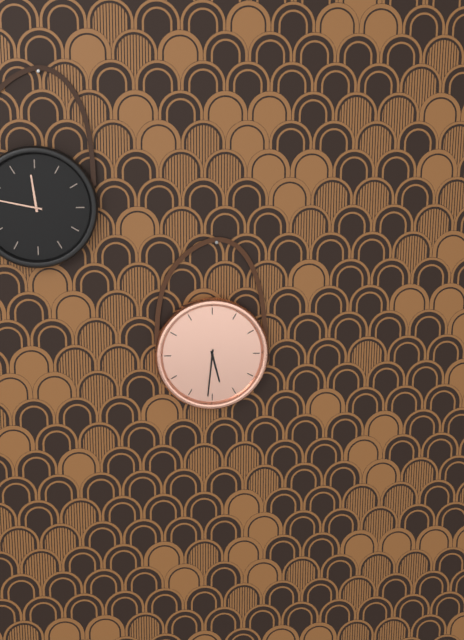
5:31
